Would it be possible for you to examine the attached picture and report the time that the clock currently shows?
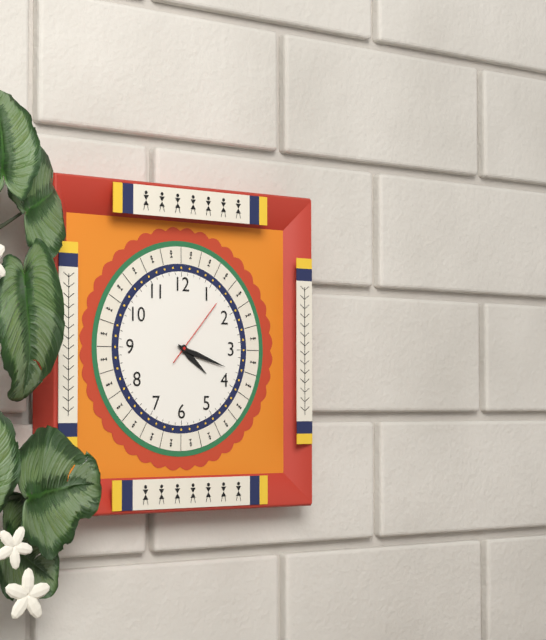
4:18:07
